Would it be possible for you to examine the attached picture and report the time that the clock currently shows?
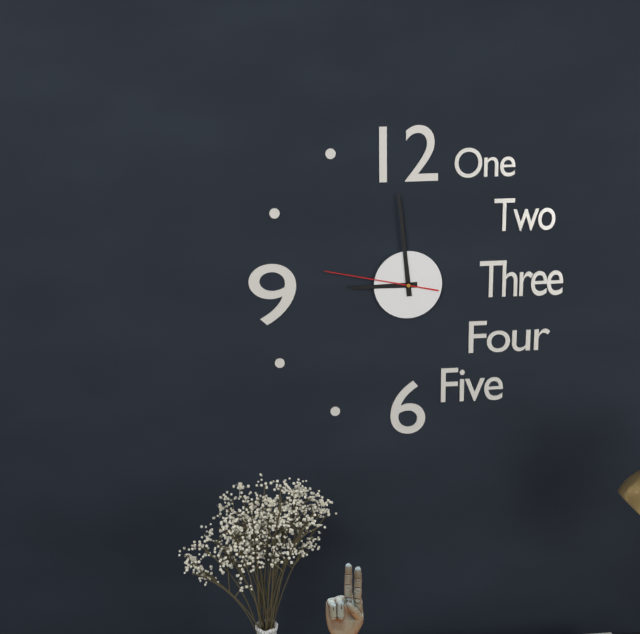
8:59:47
